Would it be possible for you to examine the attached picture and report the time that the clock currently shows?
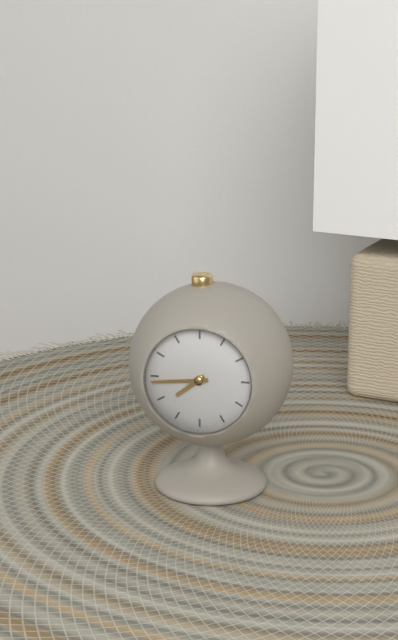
7:44
